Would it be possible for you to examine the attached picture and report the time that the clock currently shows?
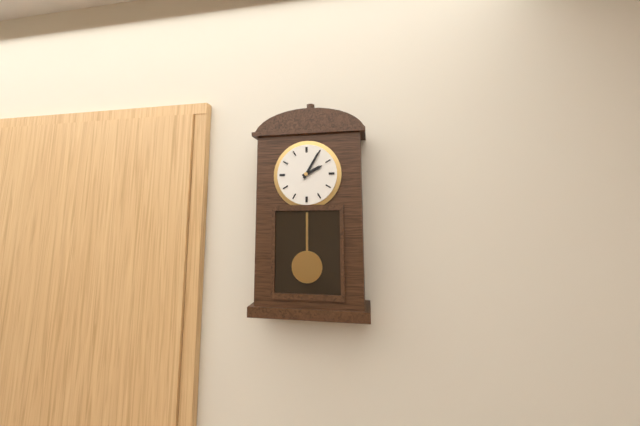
2:05
